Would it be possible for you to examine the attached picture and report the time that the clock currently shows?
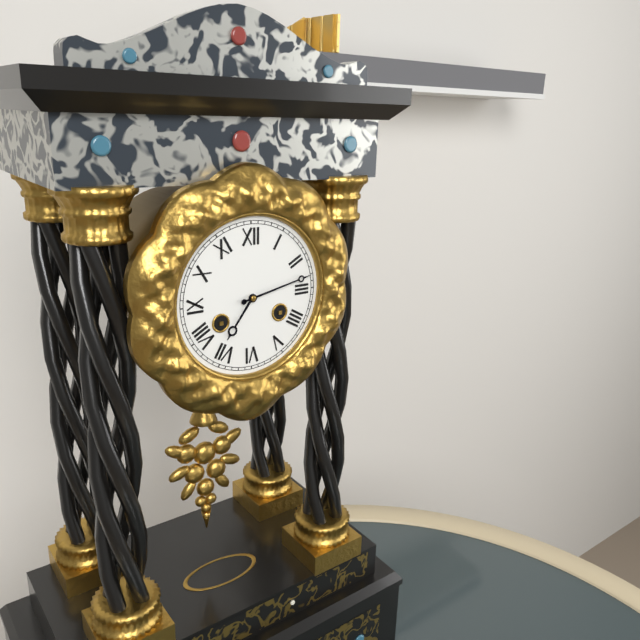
7:13
